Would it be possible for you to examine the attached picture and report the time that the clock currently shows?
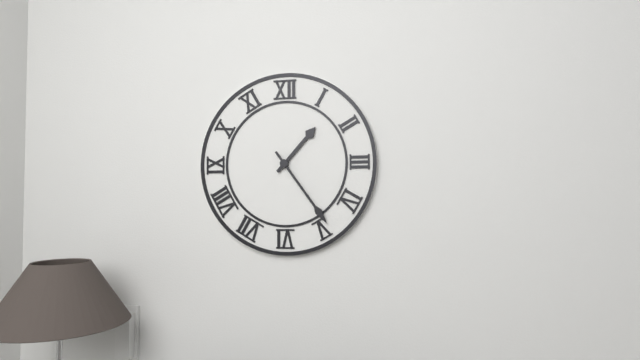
1:24
